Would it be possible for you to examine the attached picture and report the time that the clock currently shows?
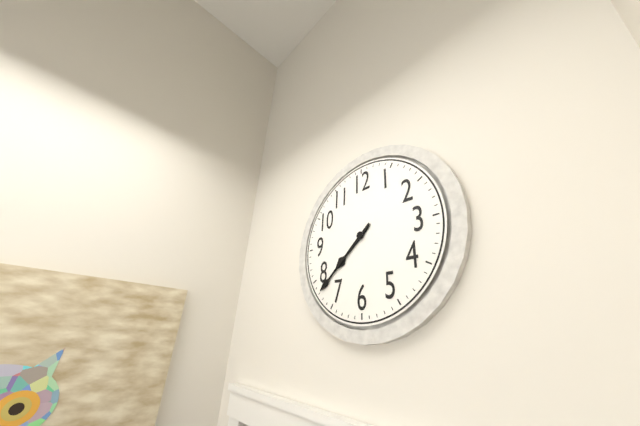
7:38
